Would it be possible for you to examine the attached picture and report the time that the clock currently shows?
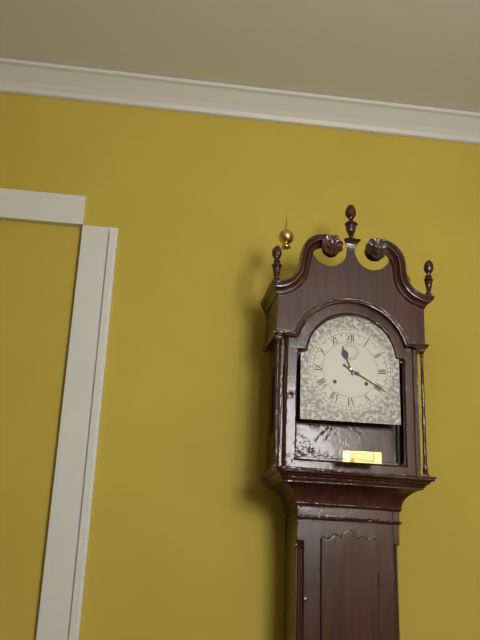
11:20
